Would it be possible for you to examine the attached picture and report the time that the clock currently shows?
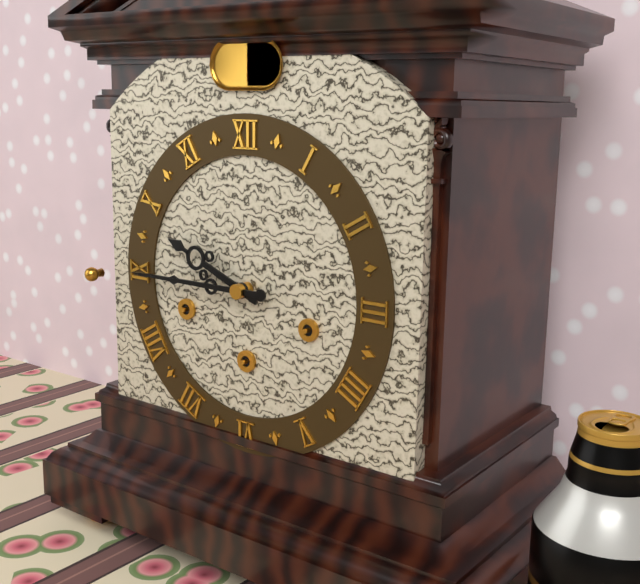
9:45
